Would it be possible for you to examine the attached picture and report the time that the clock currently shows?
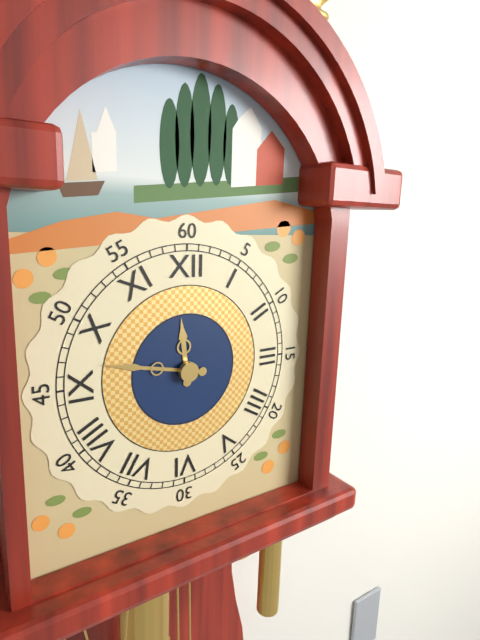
11:47
